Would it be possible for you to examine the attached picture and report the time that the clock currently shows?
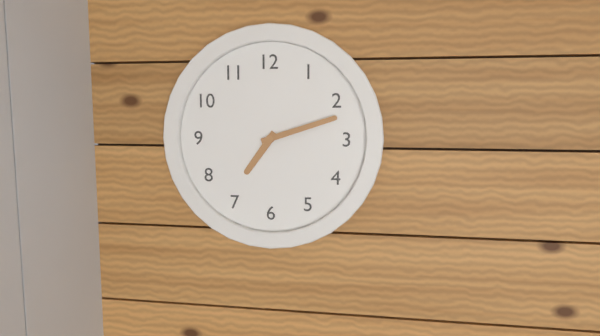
7:12
